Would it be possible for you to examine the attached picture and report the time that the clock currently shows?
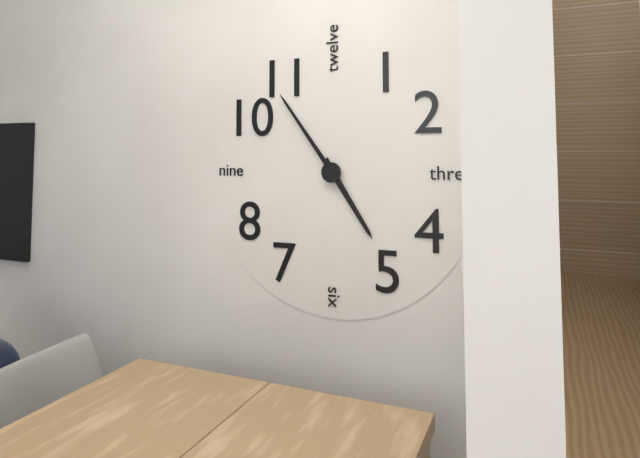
4:54
